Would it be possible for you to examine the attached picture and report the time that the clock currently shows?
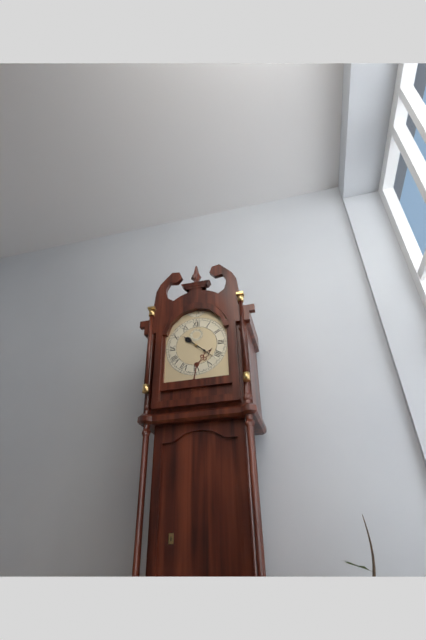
10:22
